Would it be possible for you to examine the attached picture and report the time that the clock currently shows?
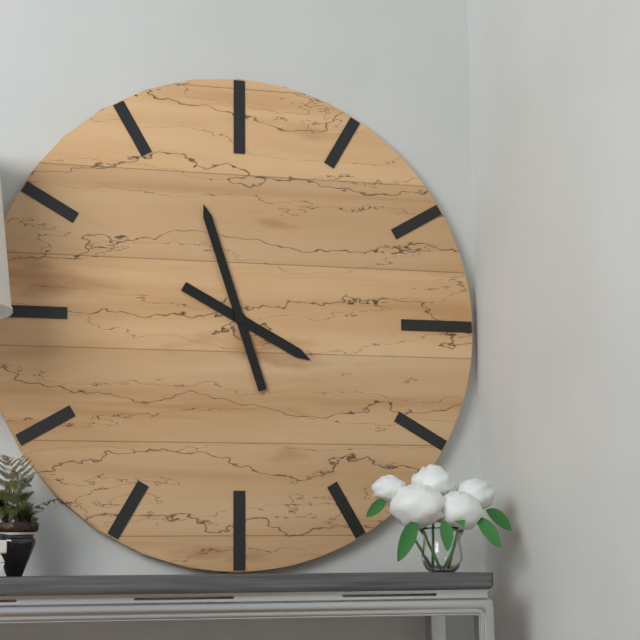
3:57
